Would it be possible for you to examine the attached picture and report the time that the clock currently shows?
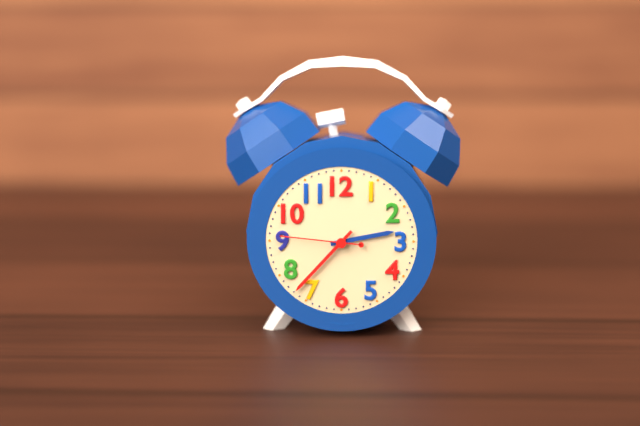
2:37:46
